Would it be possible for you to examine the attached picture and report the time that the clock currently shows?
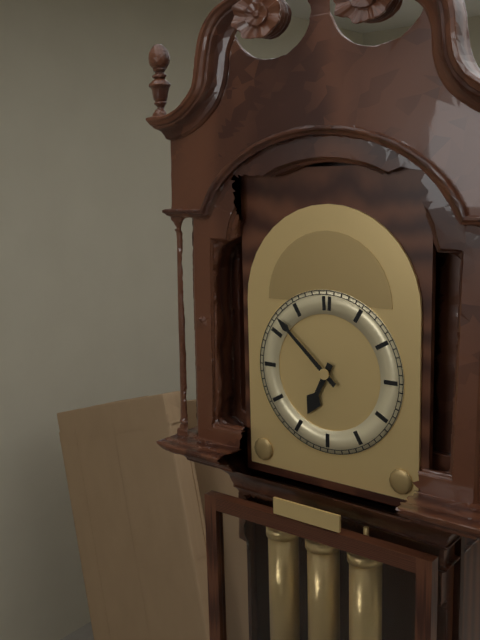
6:52
